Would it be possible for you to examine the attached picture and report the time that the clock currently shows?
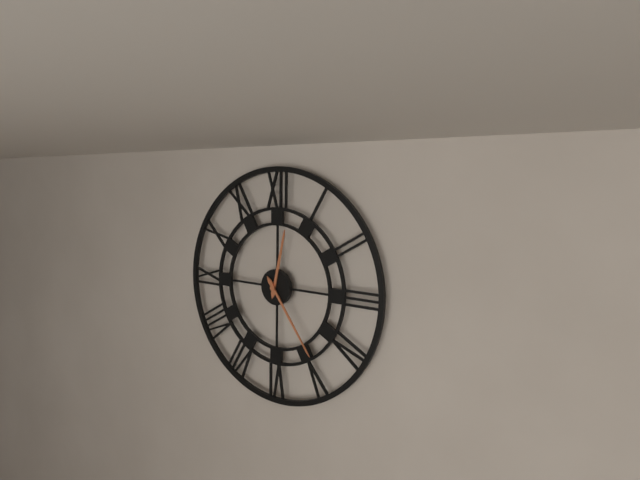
12:24
